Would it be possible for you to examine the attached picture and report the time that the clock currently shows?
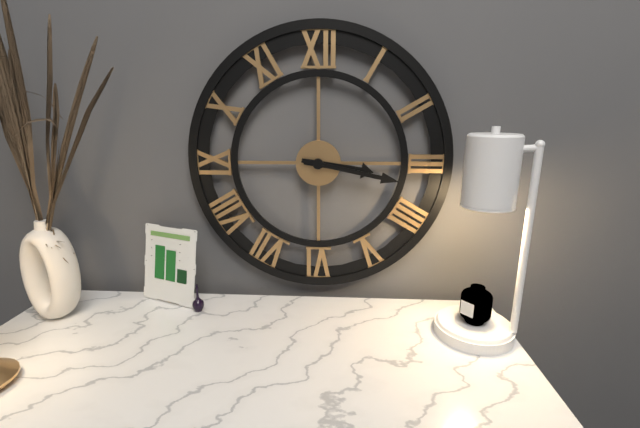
3:17
